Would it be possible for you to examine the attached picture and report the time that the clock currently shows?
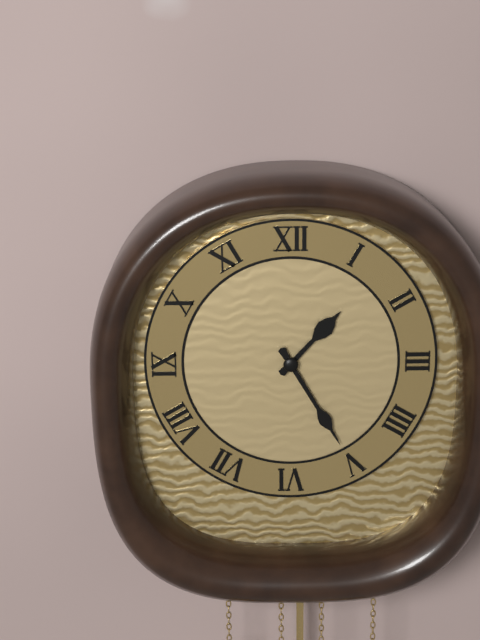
1:25
